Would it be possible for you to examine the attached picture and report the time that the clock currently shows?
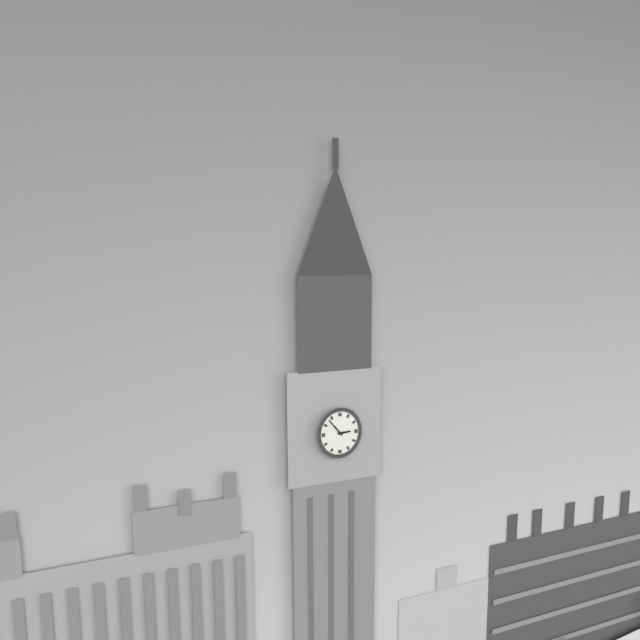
2:53
